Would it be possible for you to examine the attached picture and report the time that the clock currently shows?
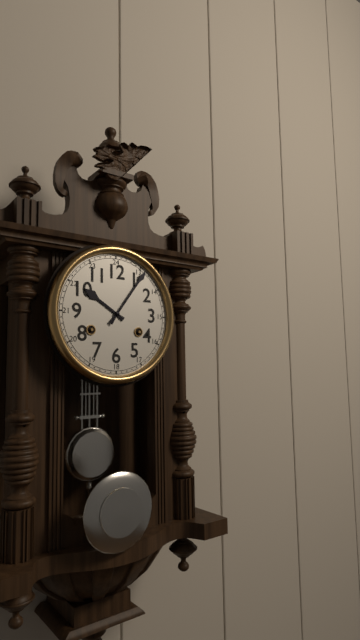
10:06
